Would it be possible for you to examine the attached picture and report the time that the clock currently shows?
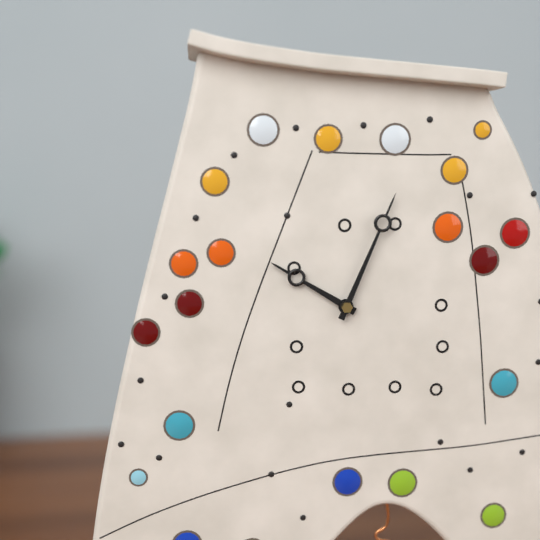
10:04
